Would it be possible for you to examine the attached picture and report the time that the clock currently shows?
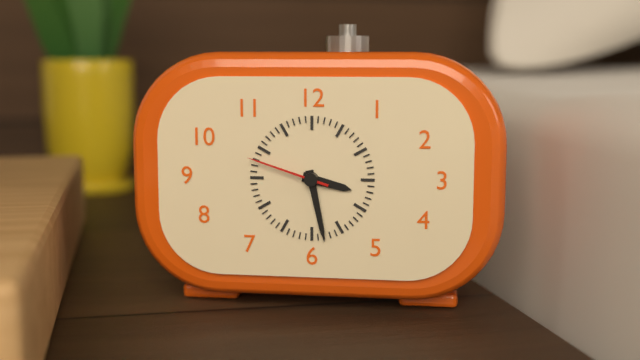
3:28:48
